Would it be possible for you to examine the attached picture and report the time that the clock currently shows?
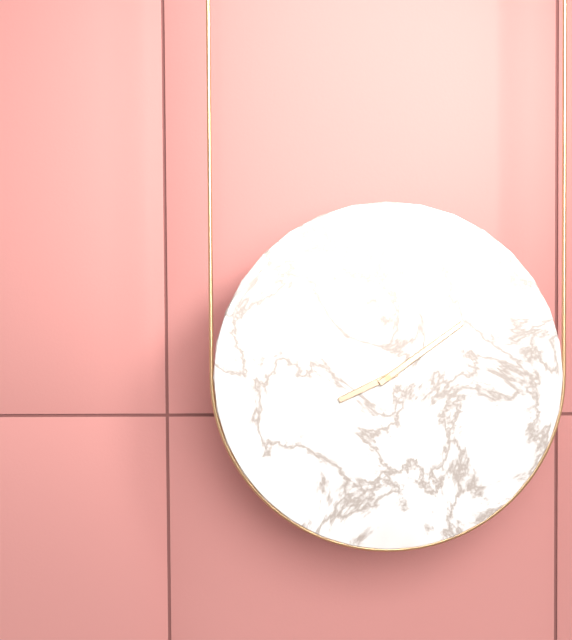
8:09
